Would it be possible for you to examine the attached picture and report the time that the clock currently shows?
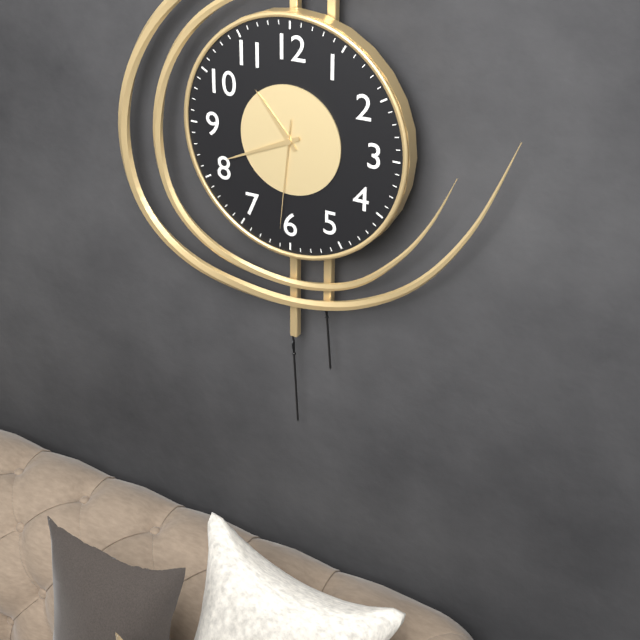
10:41:31
